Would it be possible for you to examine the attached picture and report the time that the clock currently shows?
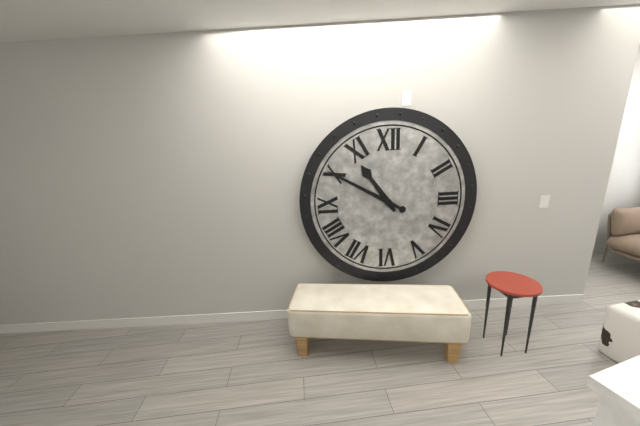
10:50
